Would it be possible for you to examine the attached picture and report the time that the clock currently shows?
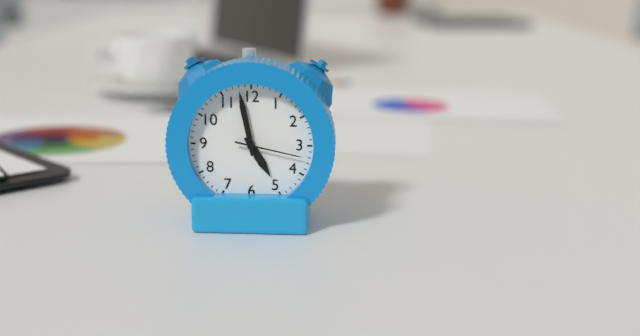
4:58:17
